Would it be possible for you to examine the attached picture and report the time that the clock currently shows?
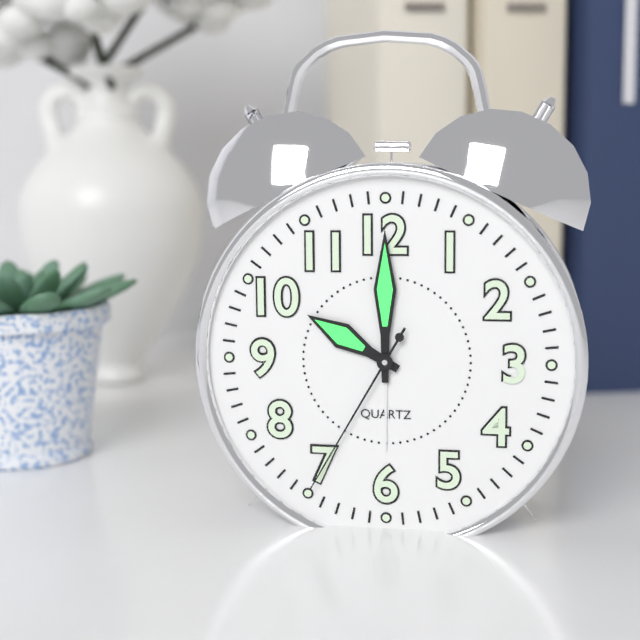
10:00:35
